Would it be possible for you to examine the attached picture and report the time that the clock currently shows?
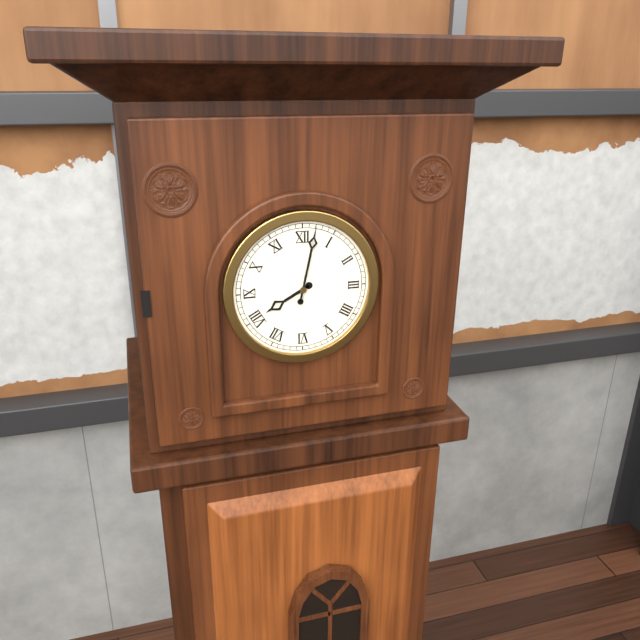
8:02
